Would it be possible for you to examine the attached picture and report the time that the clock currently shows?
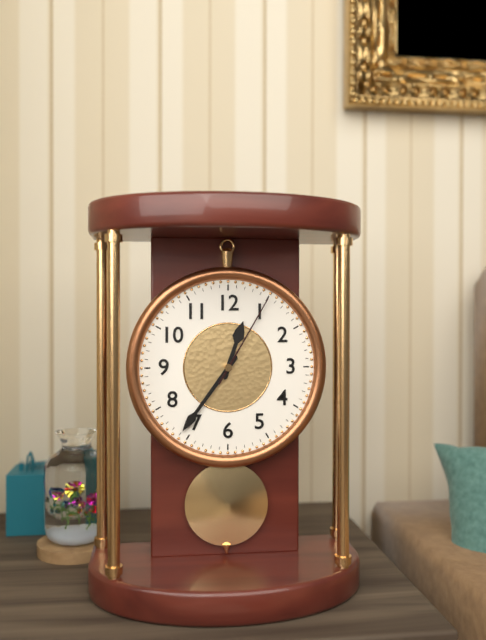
12:36:05
